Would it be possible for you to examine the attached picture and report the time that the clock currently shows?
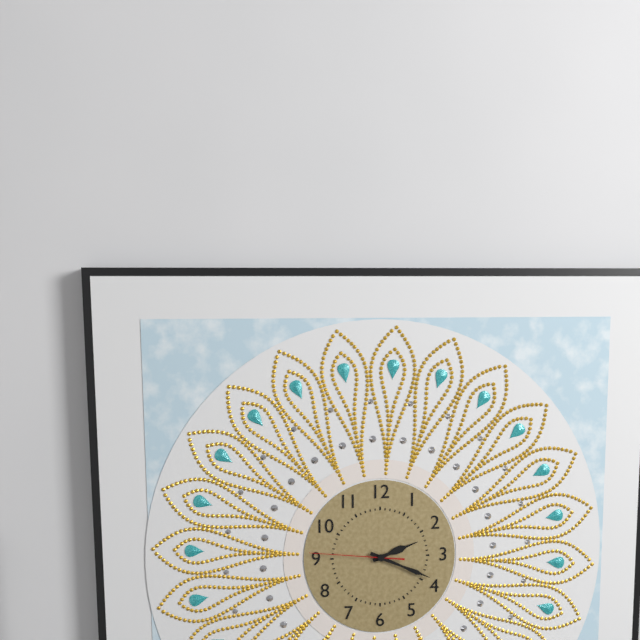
2:19:46
